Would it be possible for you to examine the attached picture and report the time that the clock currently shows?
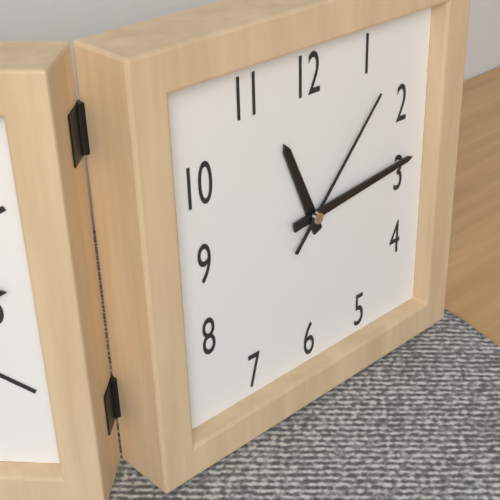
11:14:07
